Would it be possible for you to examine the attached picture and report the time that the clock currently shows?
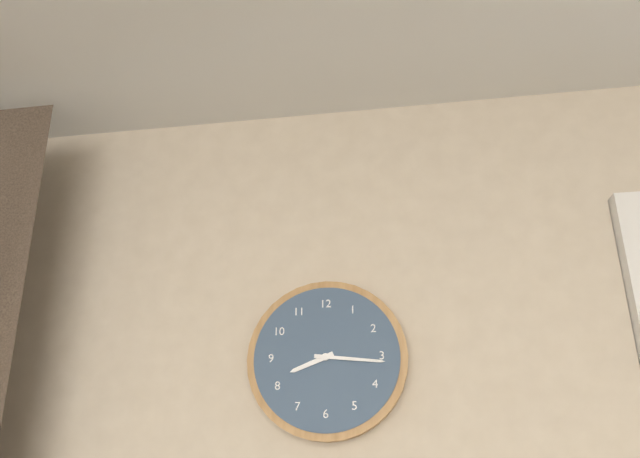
8:16
